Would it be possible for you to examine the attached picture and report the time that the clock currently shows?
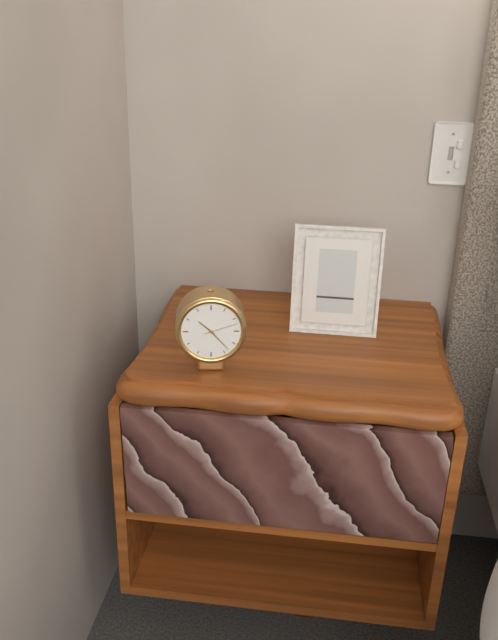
10:23
